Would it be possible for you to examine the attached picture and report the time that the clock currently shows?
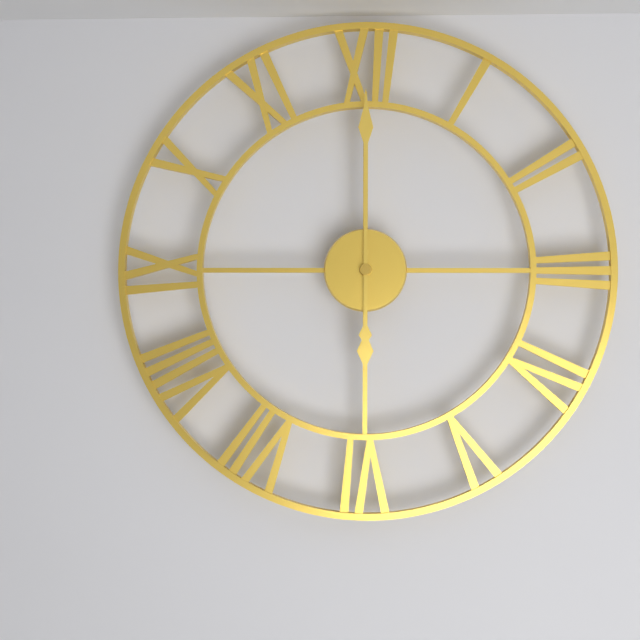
6:00
